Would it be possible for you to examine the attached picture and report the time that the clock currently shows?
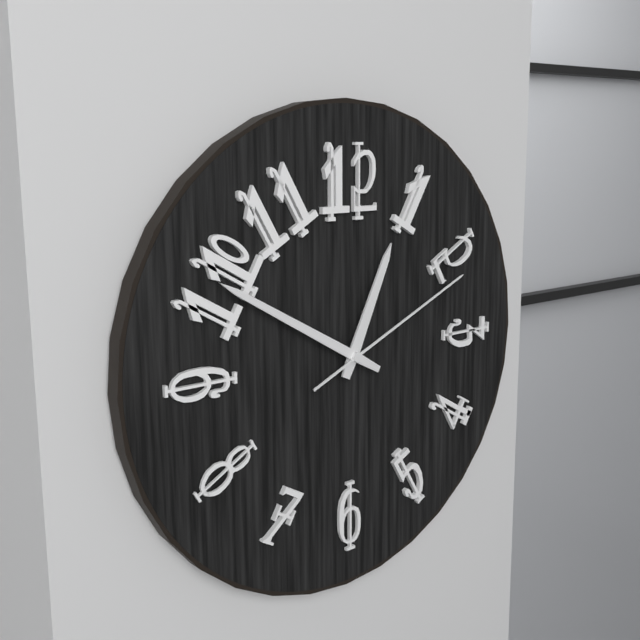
12:50:11
